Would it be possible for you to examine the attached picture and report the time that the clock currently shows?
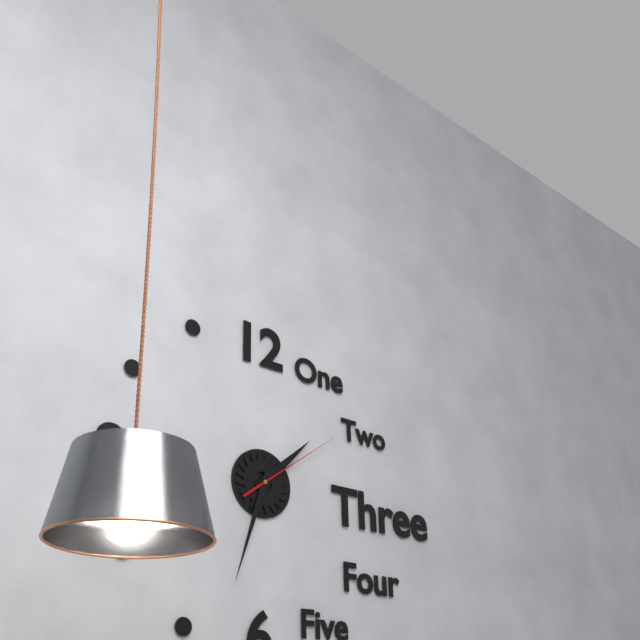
1:33:09
